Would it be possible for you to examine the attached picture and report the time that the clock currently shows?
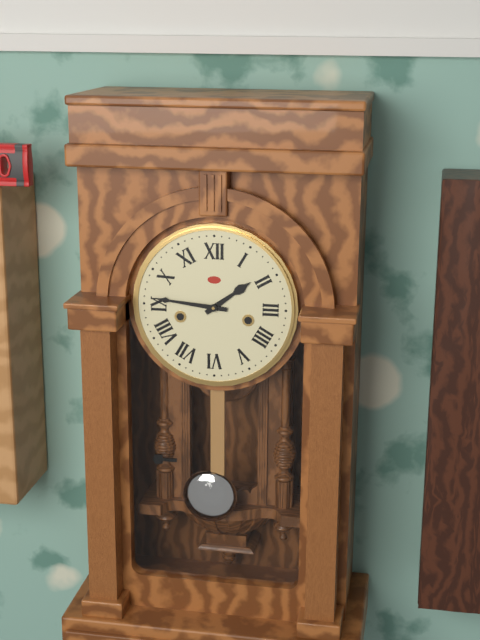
1:46
